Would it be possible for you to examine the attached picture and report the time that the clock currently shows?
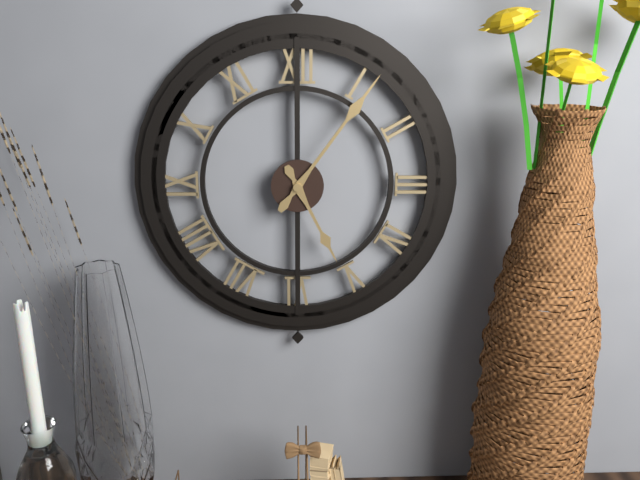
5:06
